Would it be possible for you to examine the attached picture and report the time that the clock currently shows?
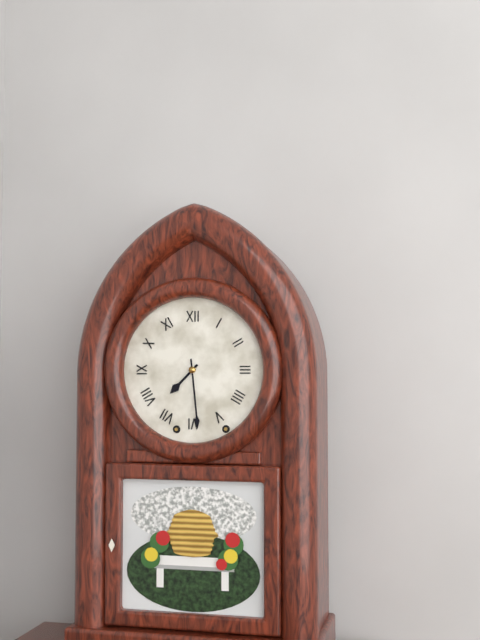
7:29
